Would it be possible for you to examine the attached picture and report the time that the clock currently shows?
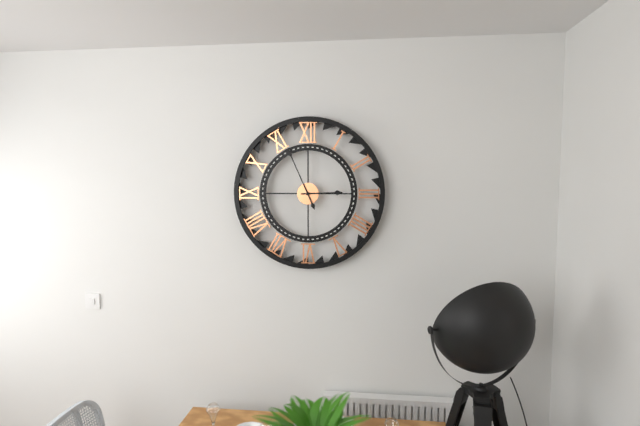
2:56
